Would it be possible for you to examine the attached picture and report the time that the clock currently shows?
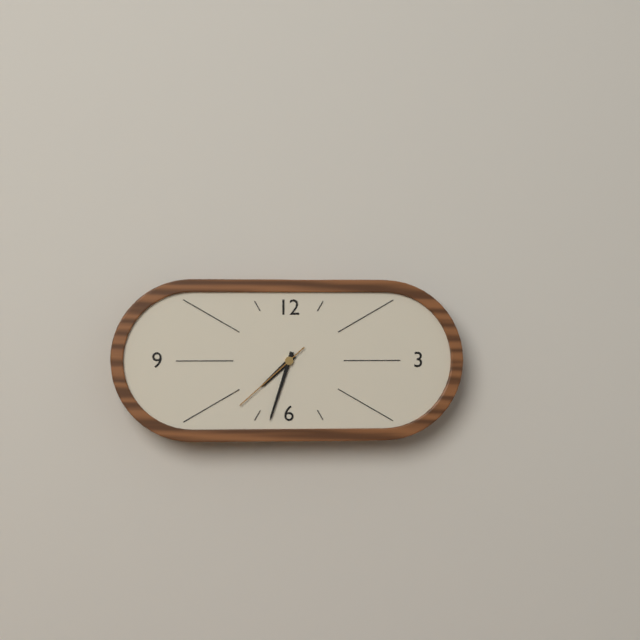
7:33:38
